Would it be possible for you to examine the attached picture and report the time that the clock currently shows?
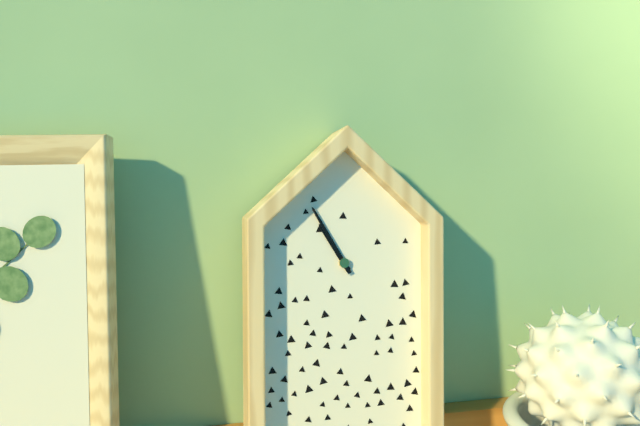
10:55
